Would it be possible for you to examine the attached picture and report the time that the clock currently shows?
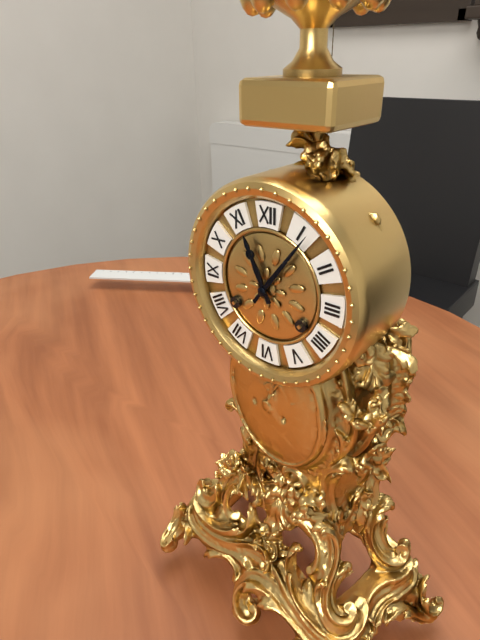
11:06
